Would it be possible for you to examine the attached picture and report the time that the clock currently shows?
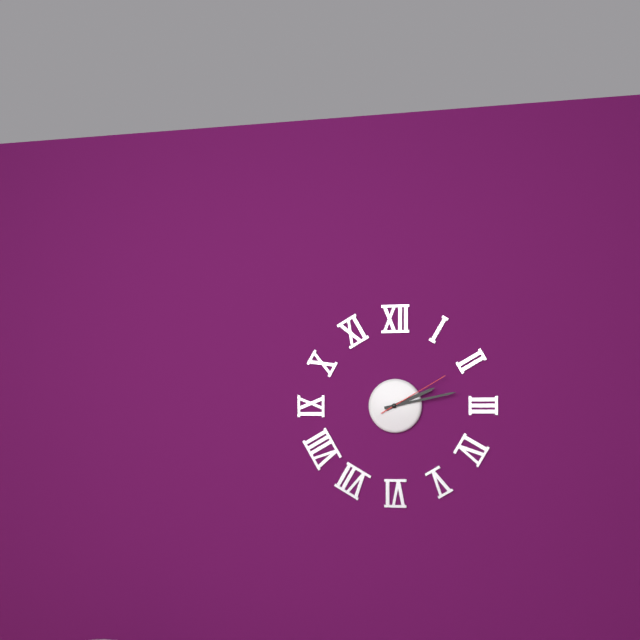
2:13:10
